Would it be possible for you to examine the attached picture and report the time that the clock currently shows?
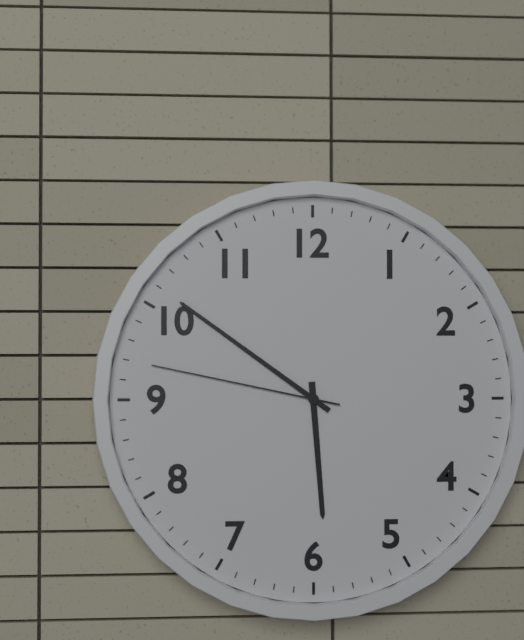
5:51:47
